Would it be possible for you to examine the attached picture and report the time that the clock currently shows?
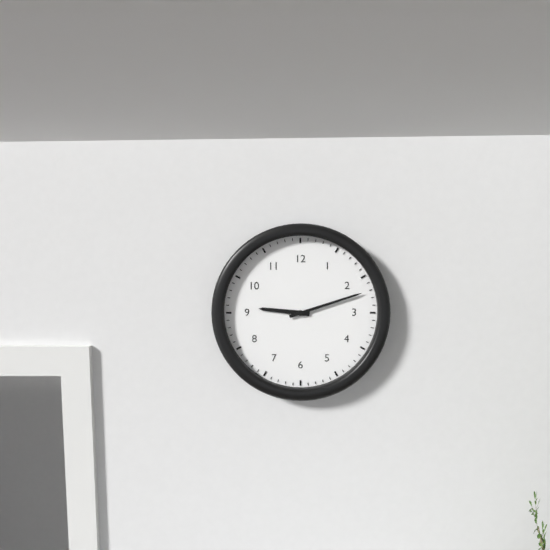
9:12
